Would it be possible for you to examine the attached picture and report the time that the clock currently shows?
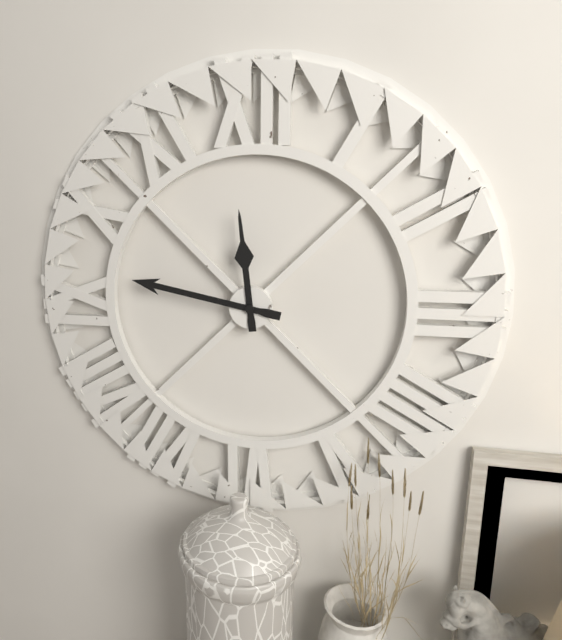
11:47
